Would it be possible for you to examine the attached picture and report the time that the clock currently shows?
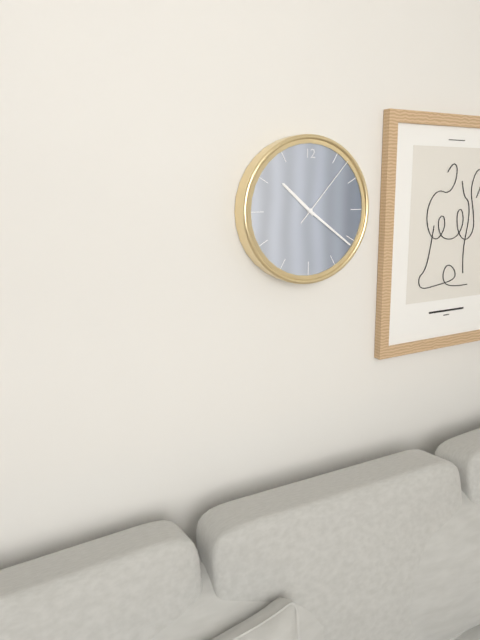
10:21:07
